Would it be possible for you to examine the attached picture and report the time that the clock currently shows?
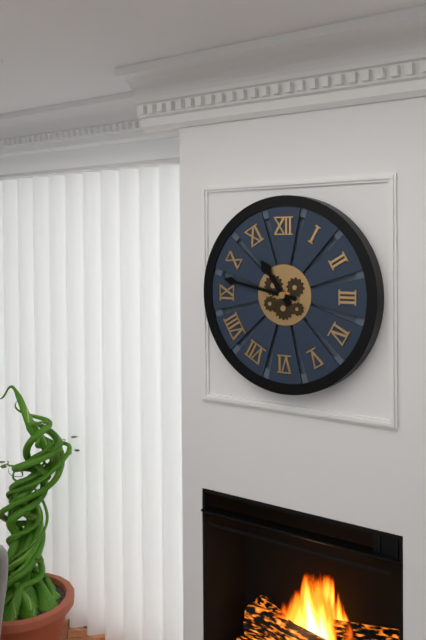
10:47
